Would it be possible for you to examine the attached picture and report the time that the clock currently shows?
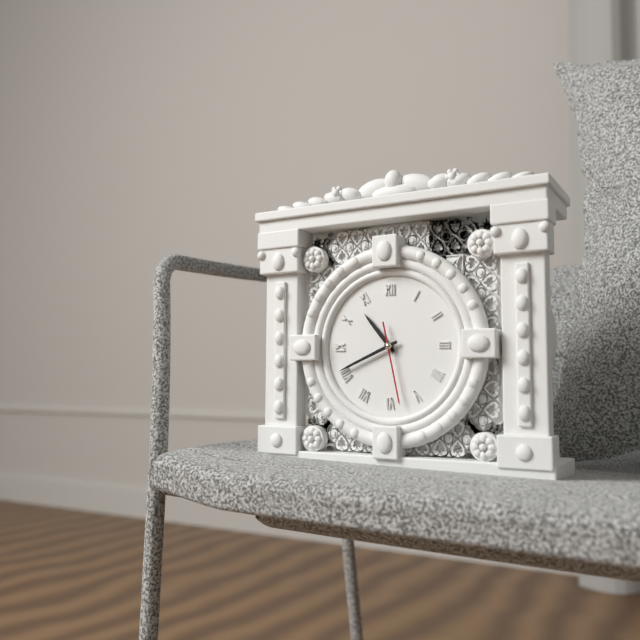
10:41:28
